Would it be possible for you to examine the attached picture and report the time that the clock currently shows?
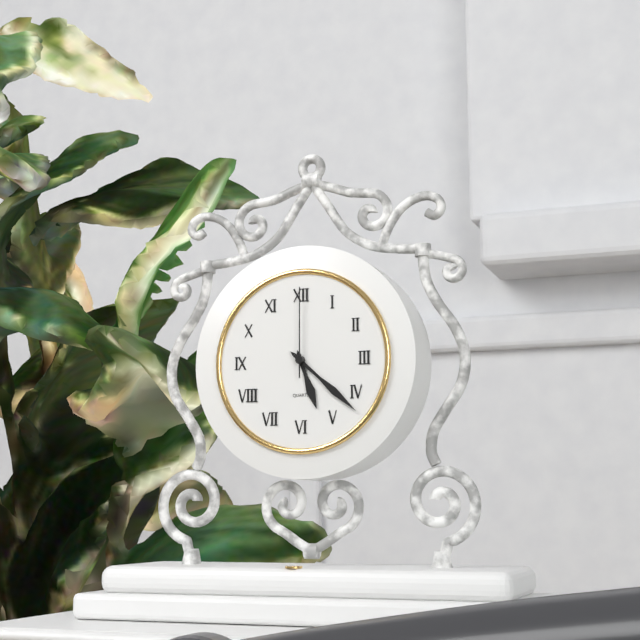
5:22:00
